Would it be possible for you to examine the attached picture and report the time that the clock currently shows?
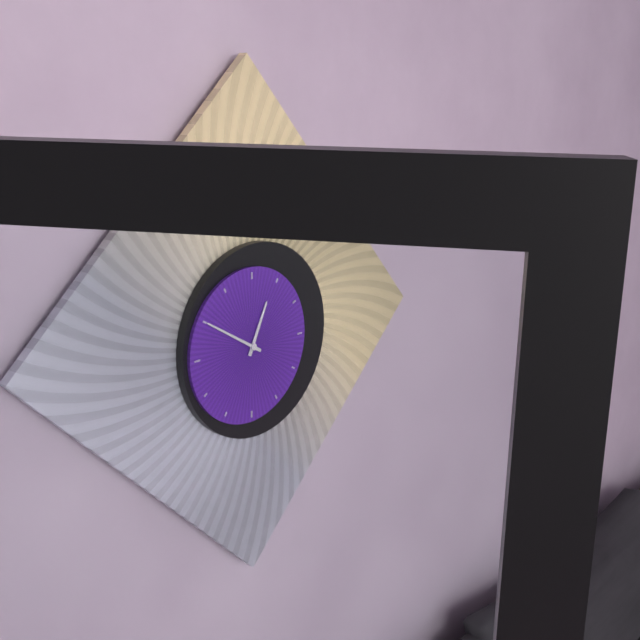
12:50
